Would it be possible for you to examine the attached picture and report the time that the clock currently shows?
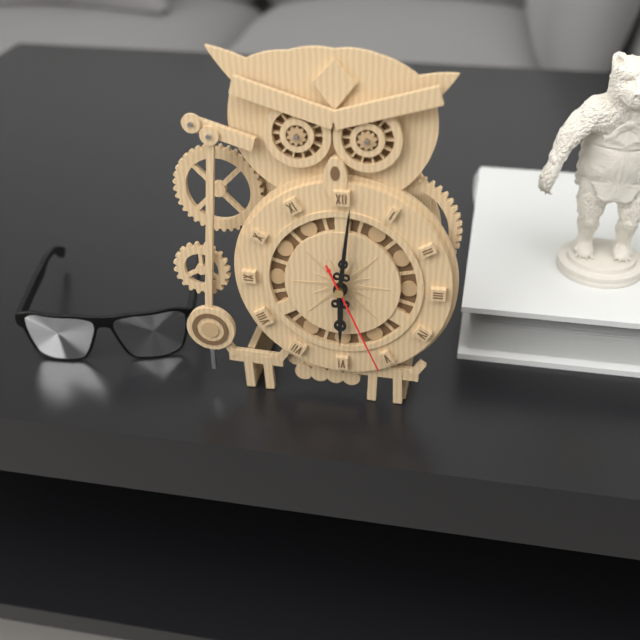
6:01:26
